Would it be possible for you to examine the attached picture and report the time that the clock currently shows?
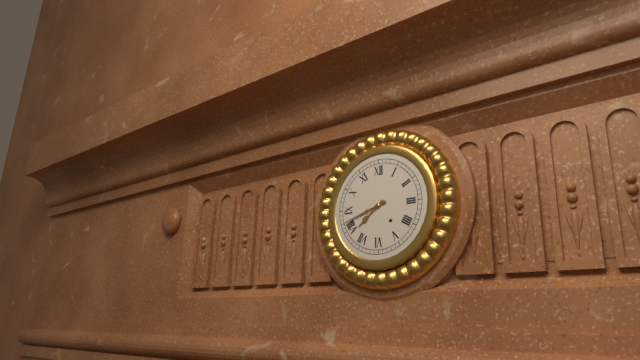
7:42
